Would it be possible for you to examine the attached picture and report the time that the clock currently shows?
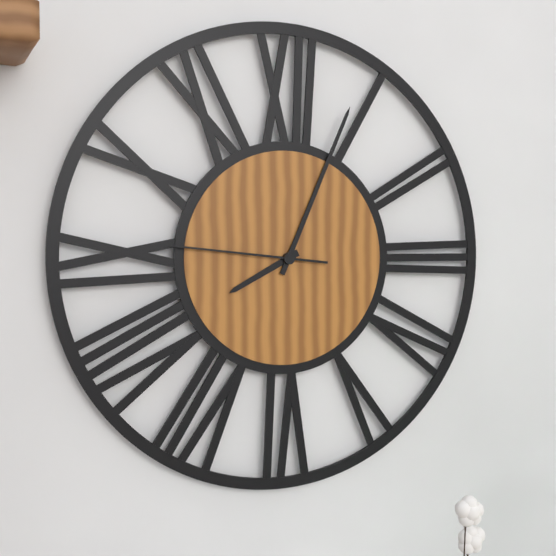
8:04:46
